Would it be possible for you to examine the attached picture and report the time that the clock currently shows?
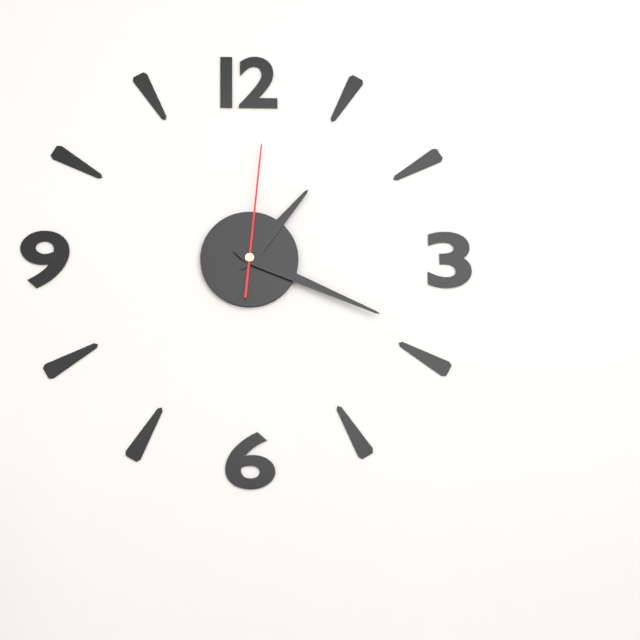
1:19:01
